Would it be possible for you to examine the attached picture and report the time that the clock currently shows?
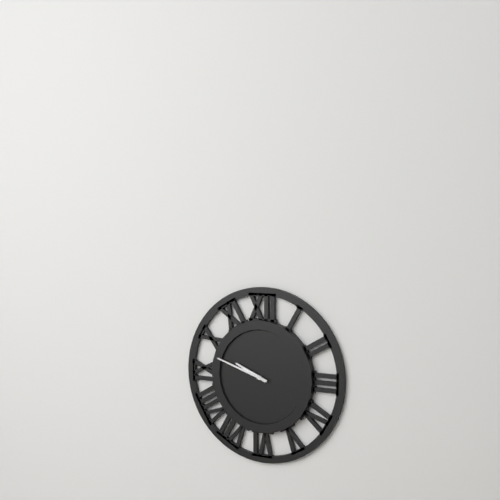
9:48
